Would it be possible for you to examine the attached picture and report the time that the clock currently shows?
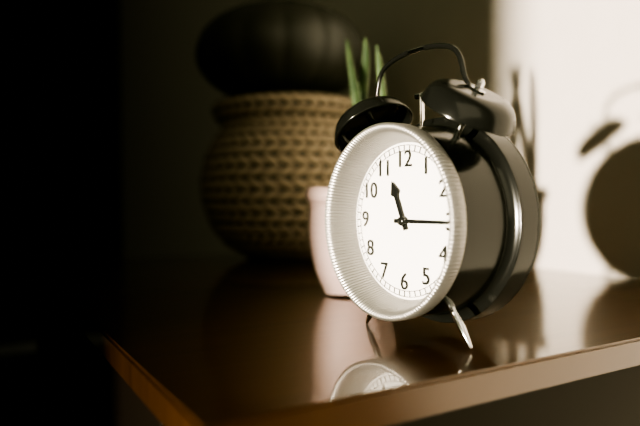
11:15
